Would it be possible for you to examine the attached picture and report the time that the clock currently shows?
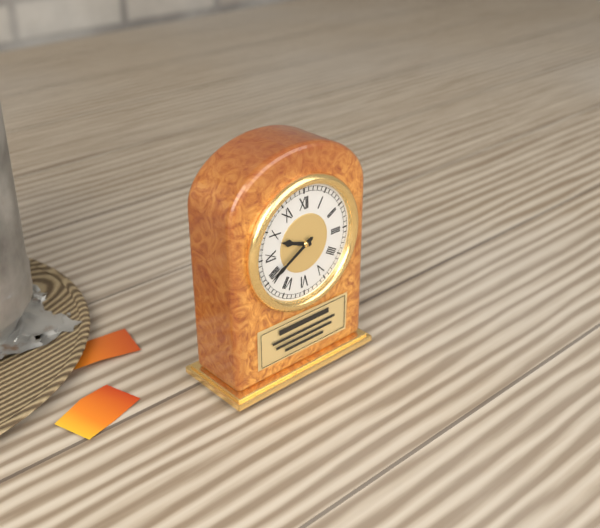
9:40
